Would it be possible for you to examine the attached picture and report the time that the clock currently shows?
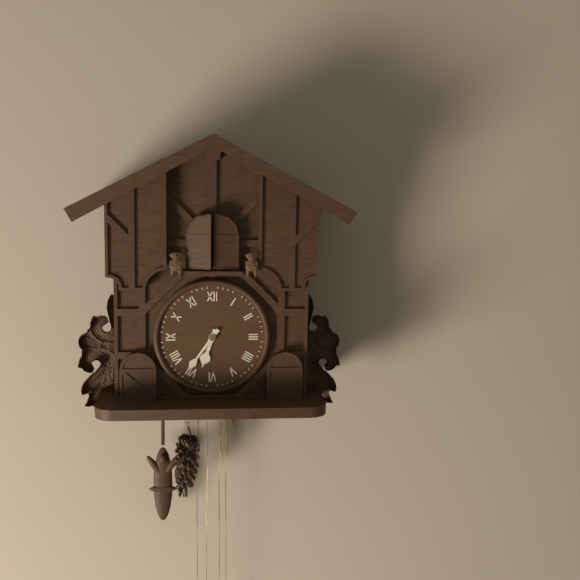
6:36
